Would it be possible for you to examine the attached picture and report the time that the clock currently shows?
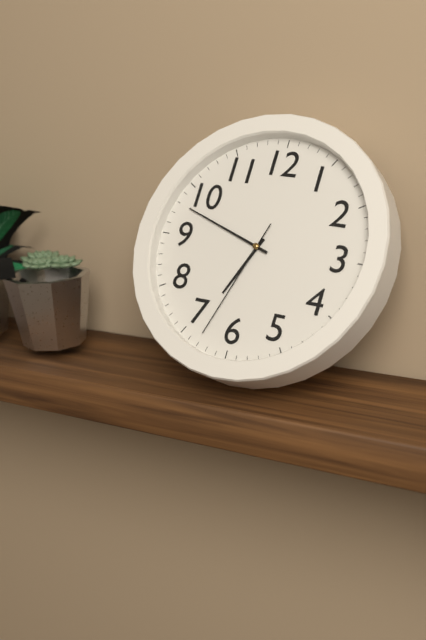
6:48:33
